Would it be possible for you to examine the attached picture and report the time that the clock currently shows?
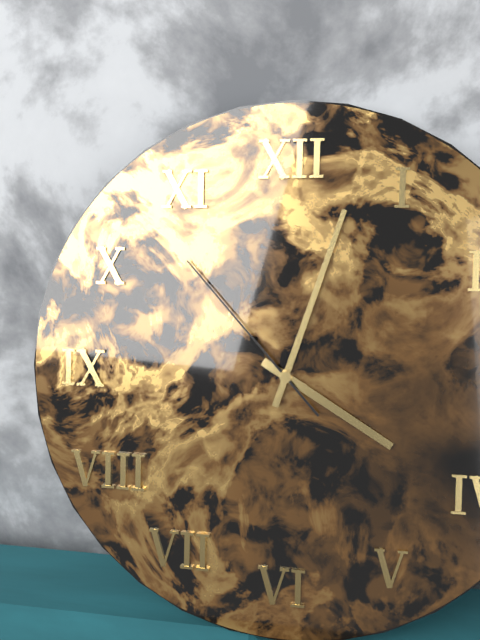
4:03:53
